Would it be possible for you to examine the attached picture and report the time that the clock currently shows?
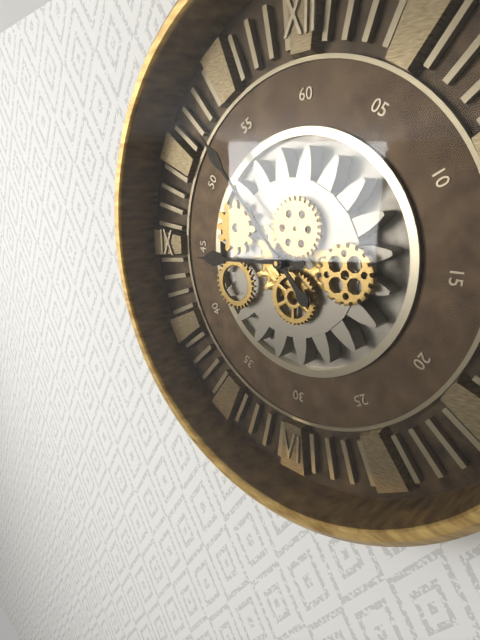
8:53
